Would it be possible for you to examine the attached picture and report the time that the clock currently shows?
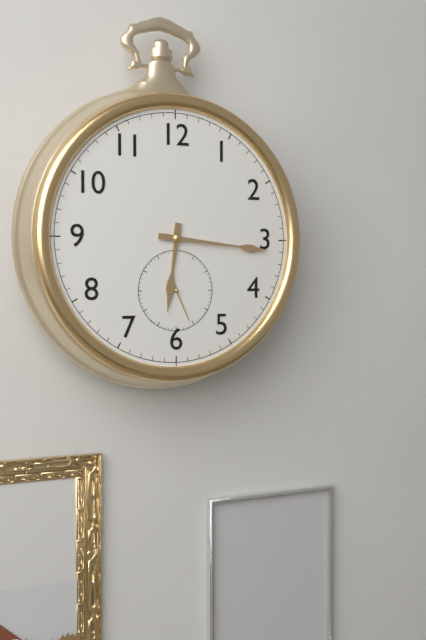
6:16
